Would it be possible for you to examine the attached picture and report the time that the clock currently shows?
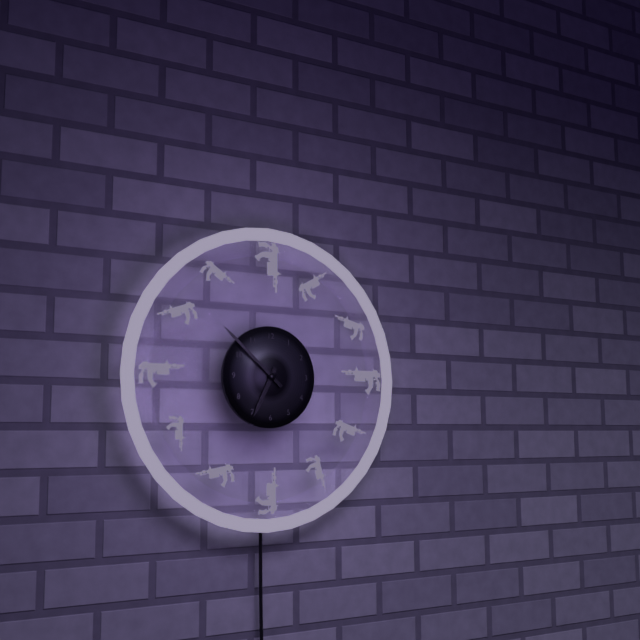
6:52
